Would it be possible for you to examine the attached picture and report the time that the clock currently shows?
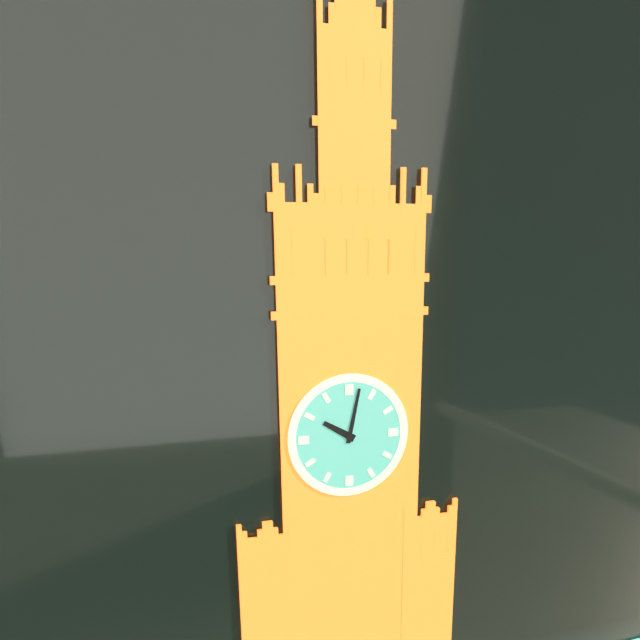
10:02
